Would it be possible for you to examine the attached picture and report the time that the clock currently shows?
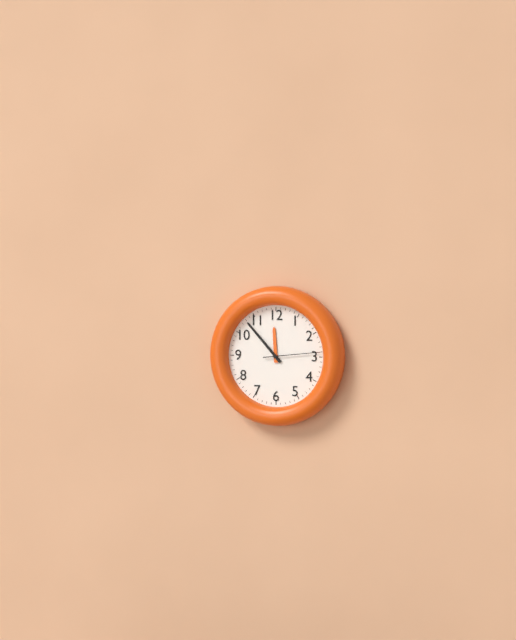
11:53:14
